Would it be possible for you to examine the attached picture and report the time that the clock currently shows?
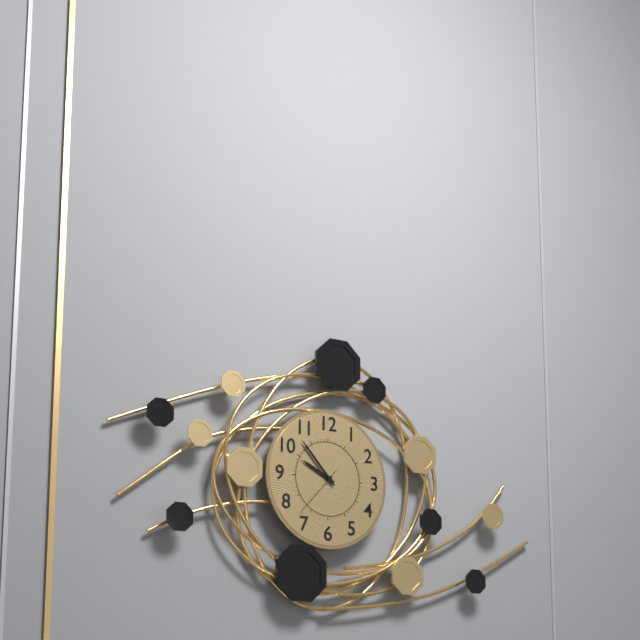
9:53:37
